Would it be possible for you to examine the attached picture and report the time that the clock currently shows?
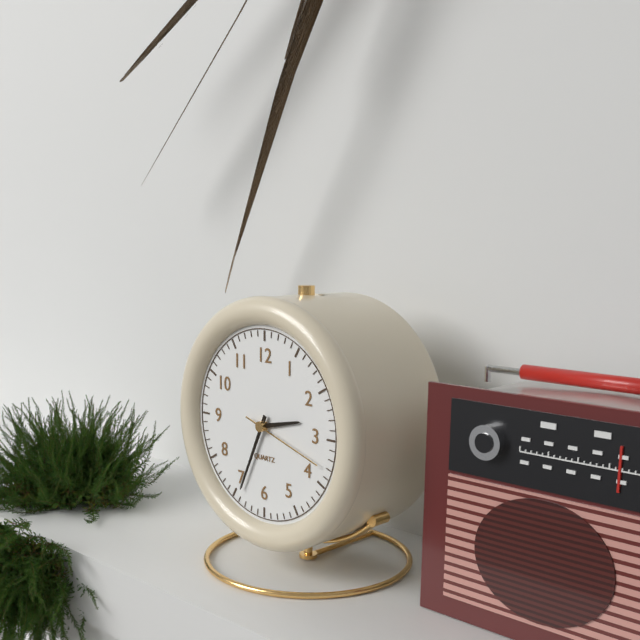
2:34:18
